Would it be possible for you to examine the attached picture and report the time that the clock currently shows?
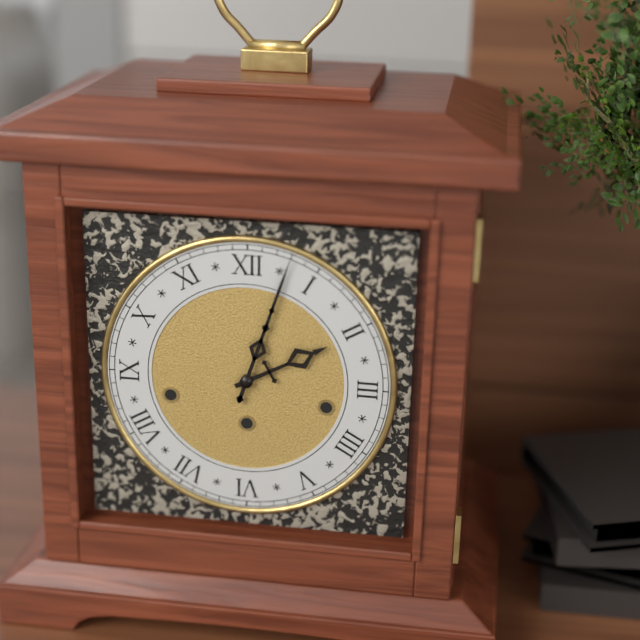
2:03
